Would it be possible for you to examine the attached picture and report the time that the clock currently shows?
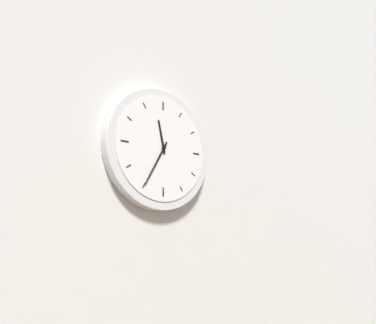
11:35
